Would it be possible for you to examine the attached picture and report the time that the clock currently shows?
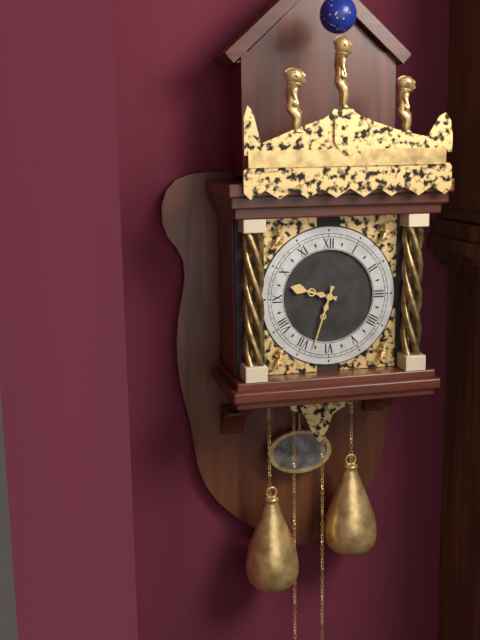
9:33
